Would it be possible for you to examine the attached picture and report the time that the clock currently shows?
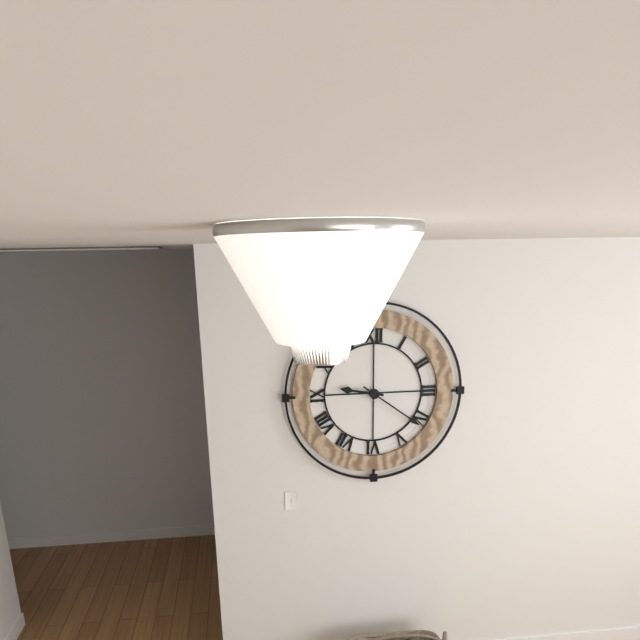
9:21
